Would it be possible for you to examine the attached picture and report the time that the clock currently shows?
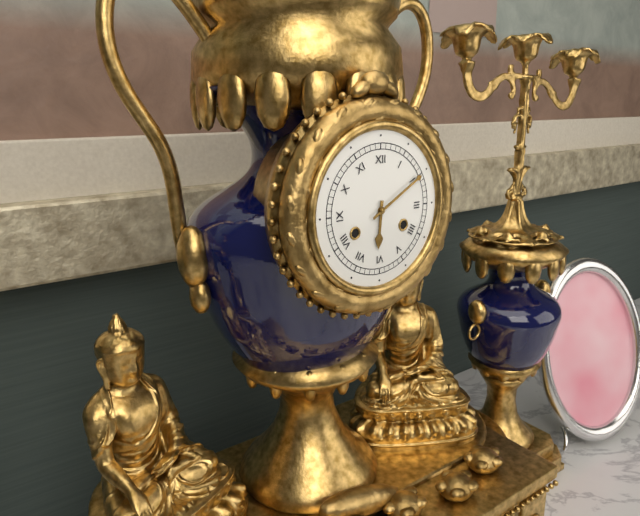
6:10
